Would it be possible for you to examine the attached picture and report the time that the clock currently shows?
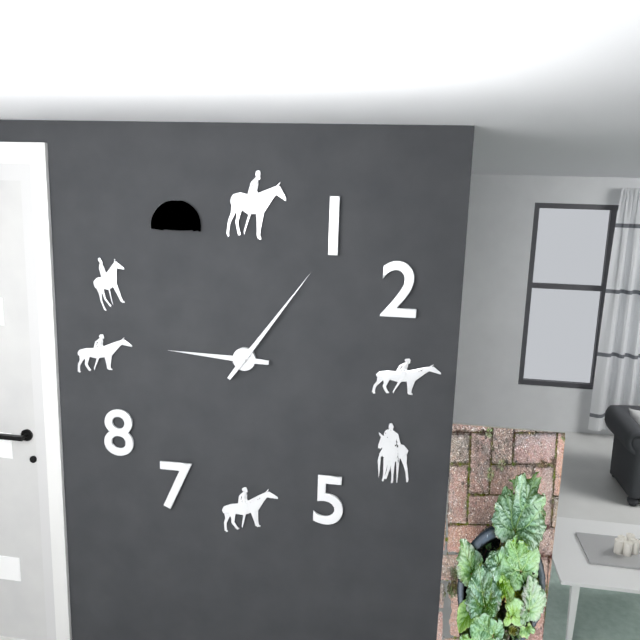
9:06
